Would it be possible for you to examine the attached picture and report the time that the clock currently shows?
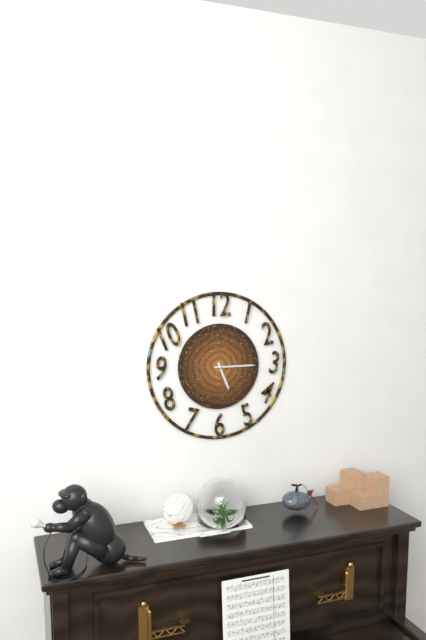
5:15
